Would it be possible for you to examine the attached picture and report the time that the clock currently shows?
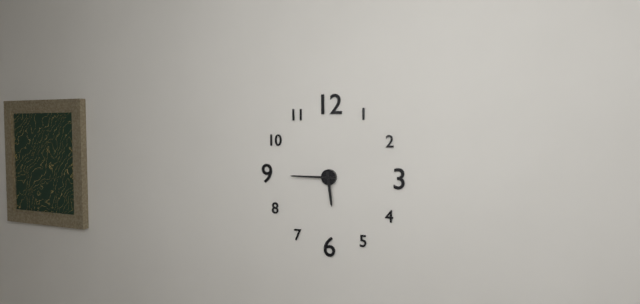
5:45
